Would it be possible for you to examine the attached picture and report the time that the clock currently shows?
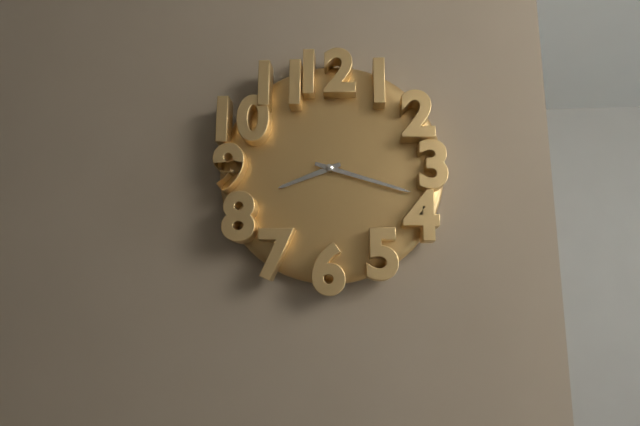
8:18
